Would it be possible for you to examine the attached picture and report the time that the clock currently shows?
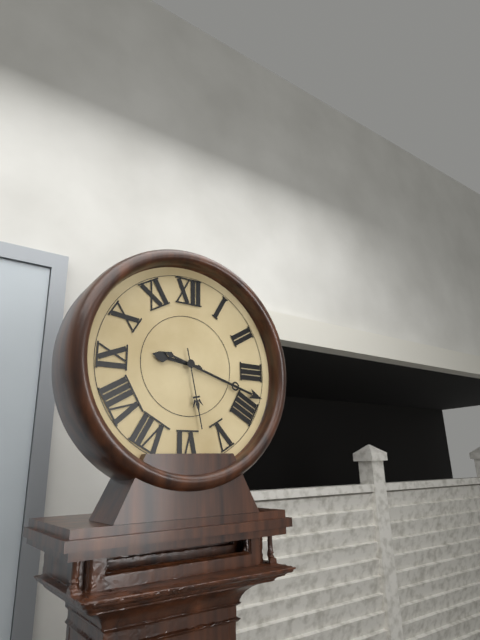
9:18:28
